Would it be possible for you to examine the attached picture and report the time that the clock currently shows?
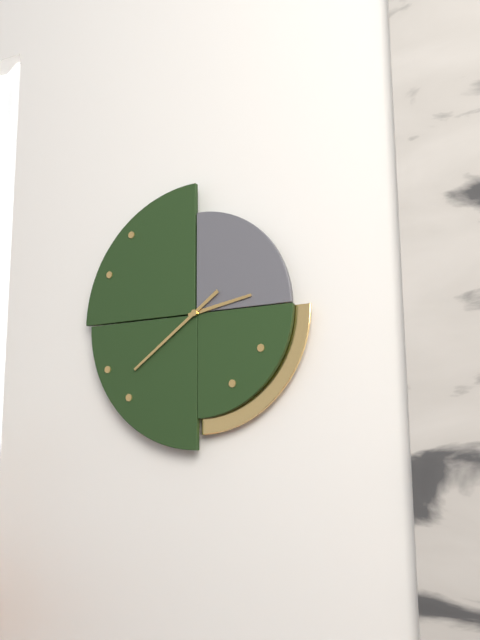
2:39
